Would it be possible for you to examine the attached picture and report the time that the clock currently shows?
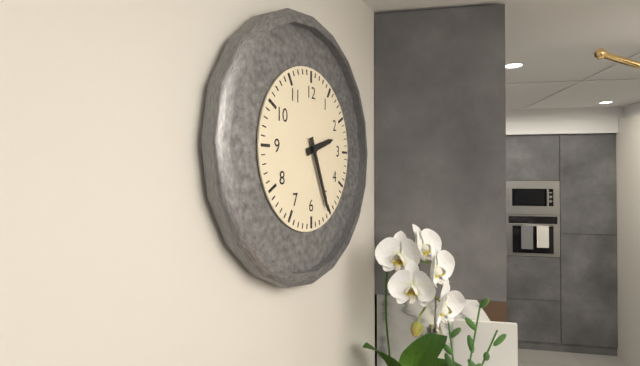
2:26
